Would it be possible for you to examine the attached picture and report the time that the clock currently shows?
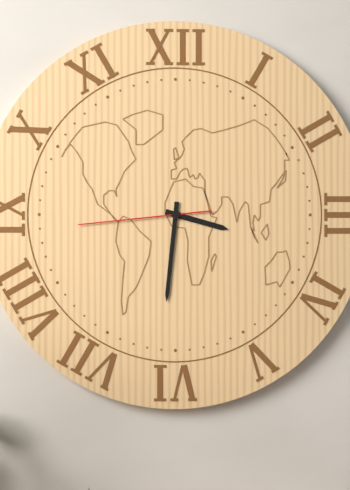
3:31:44
